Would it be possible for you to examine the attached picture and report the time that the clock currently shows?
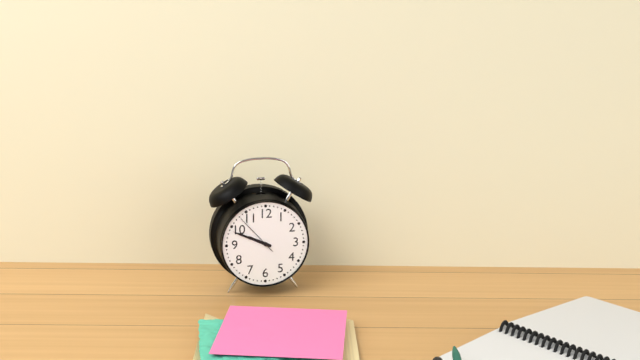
9:49
